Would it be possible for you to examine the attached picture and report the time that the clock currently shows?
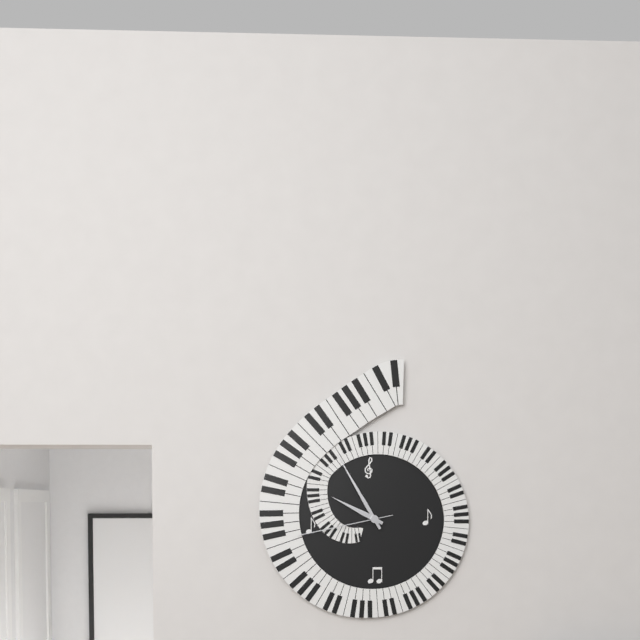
9:55:43
